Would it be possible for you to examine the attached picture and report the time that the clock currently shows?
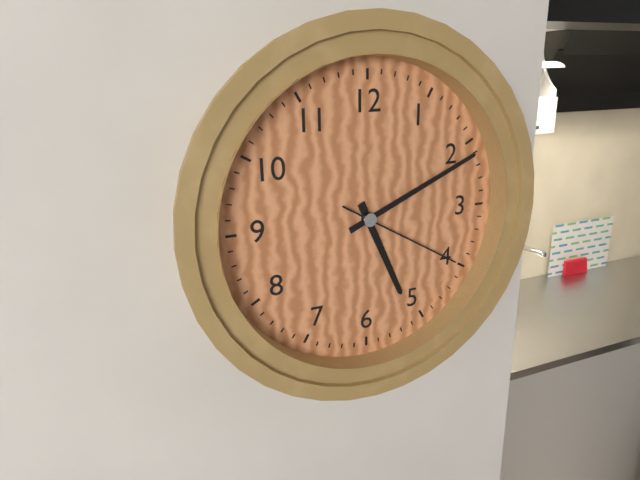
5:11:20
